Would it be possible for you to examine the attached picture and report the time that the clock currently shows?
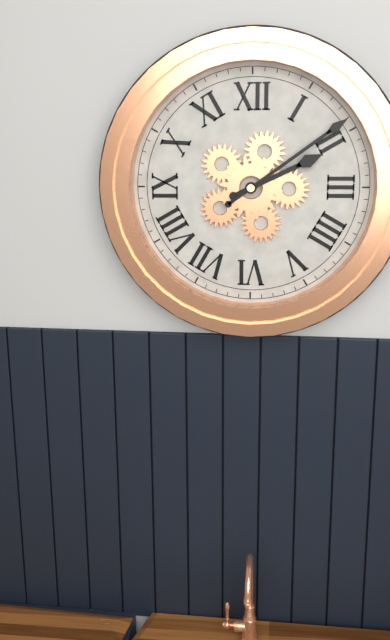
2:09
